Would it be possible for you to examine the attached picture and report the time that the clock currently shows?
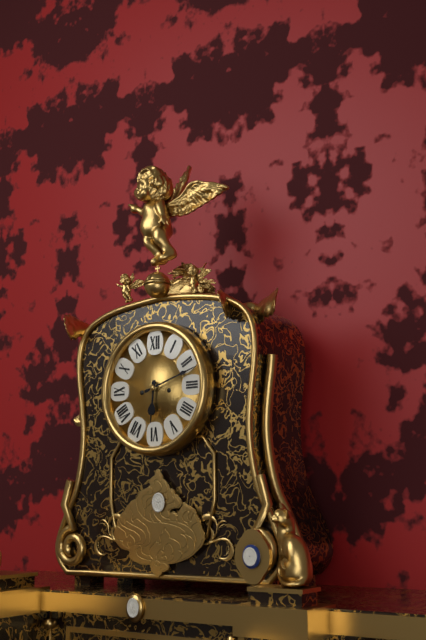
6:12
